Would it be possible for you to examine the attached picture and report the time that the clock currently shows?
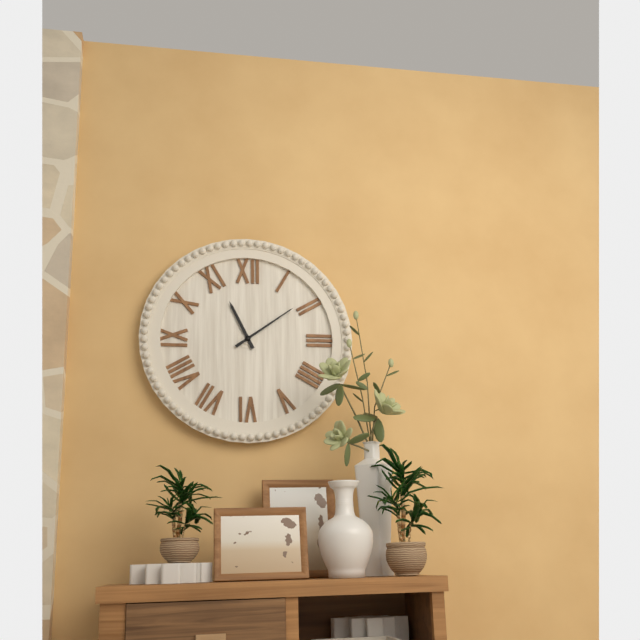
11:09
